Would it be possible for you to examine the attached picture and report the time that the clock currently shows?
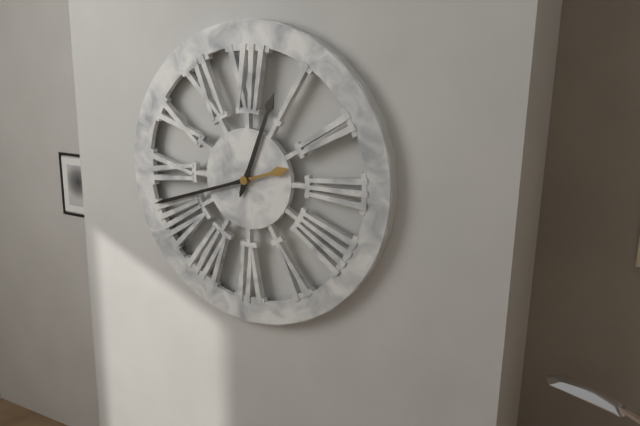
12:42
